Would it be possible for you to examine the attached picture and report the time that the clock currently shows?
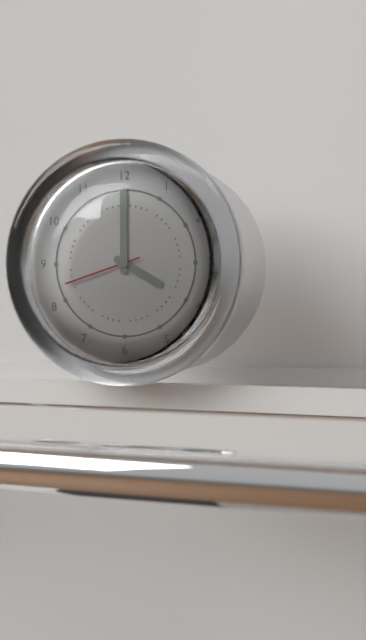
4:00:42
